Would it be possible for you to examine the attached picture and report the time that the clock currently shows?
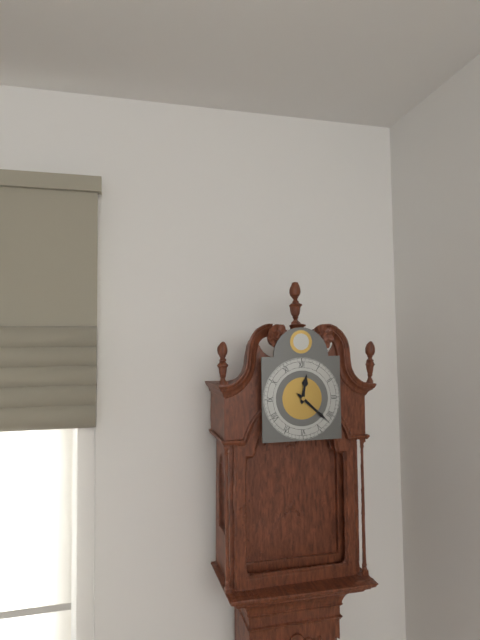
12:22
